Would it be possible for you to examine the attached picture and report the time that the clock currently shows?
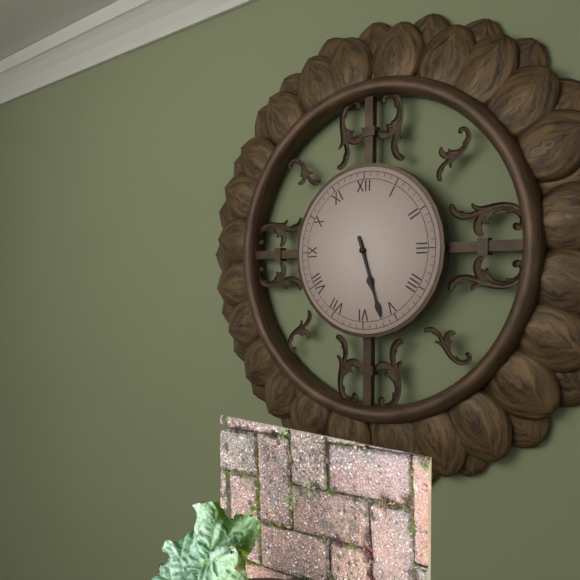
5:27
